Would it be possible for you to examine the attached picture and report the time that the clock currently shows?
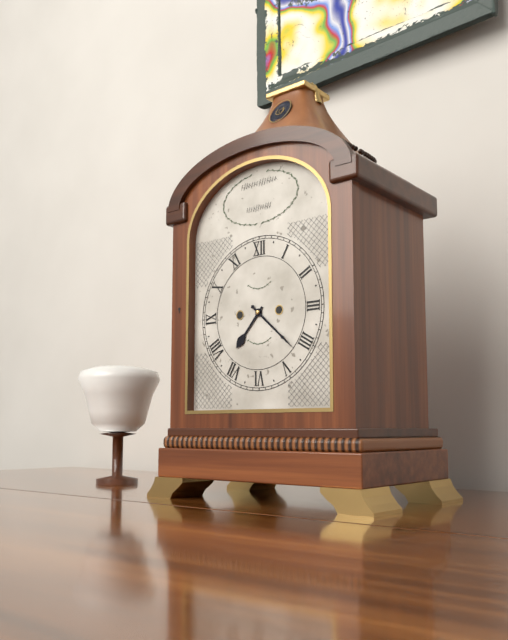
7:22
